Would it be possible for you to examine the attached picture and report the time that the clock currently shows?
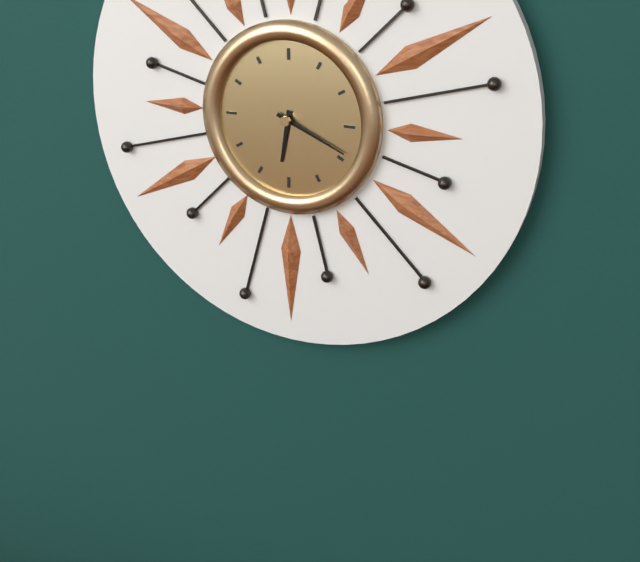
6:19
